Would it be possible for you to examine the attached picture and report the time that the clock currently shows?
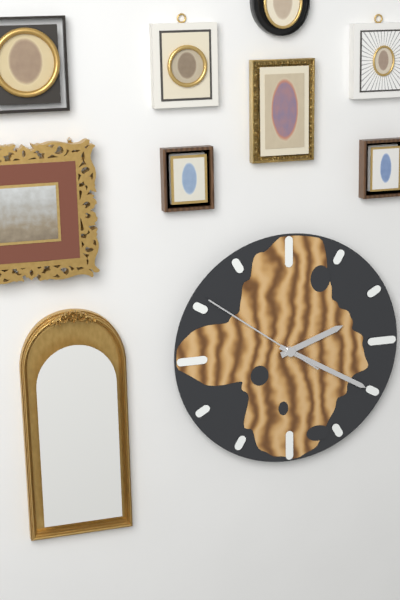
2:20:51
